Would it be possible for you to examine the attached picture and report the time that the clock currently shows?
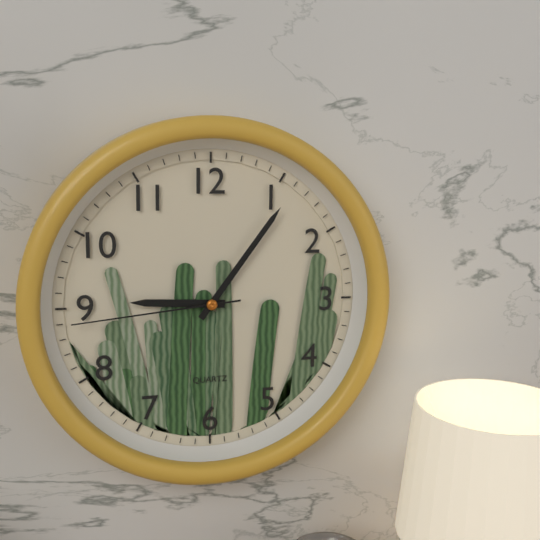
9:06:44
